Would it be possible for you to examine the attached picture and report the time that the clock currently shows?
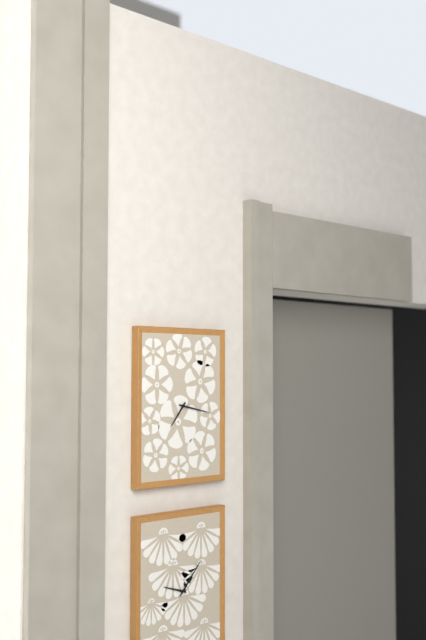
7:17
